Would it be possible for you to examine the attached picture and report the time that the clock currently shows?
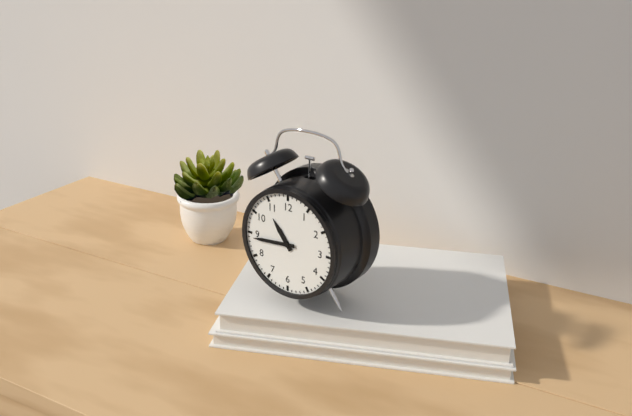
10:44
